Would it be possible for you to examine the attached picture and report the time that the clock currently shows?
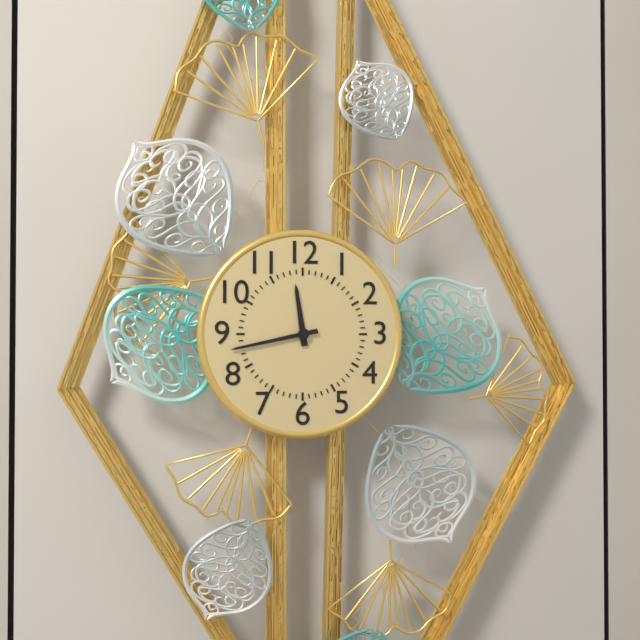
11:43
